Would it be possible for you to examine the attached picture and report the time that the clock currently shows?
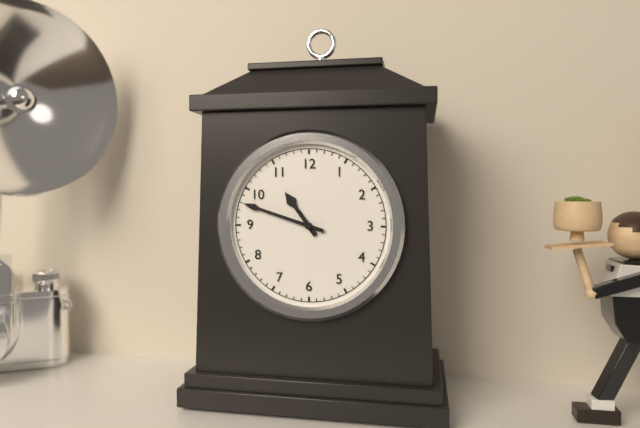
10:48
